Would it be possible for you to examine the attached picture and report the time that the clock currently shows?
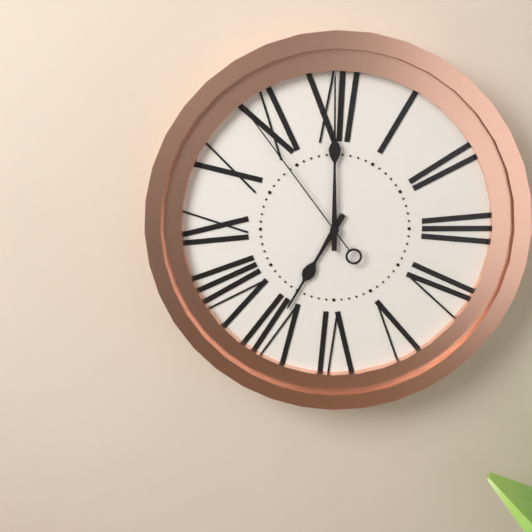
7:00:54
